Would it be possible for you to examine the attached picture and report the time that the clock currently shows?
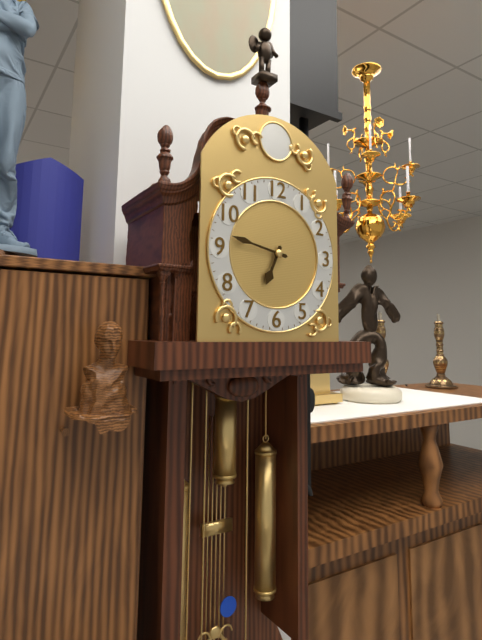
6:47
